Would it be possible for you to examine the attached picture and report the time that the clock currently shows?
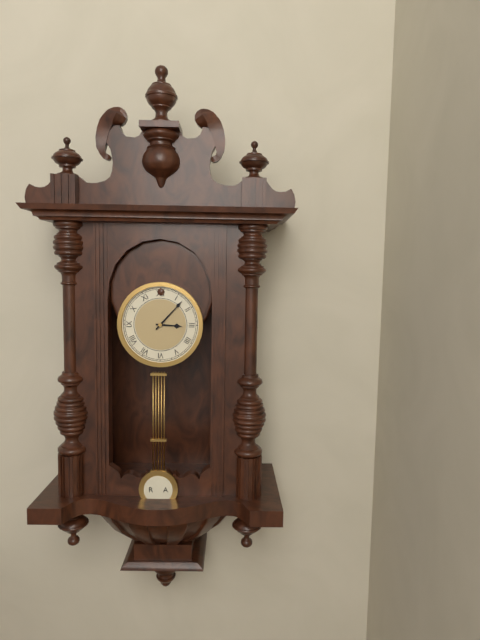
3:07
